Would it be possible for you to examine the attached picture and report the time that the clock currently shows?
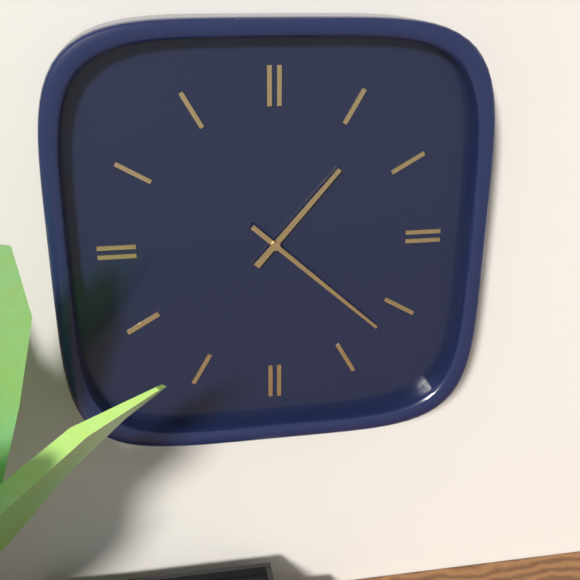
1:22
